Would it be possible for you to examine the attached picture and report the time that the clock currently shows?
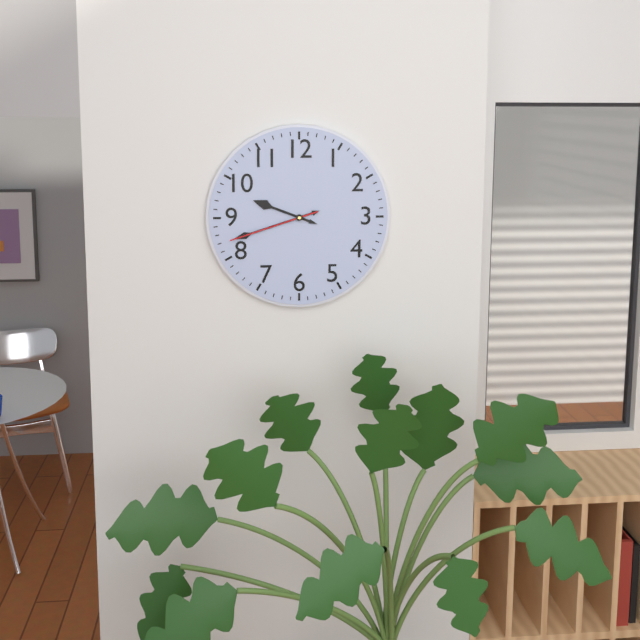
9:42:42
